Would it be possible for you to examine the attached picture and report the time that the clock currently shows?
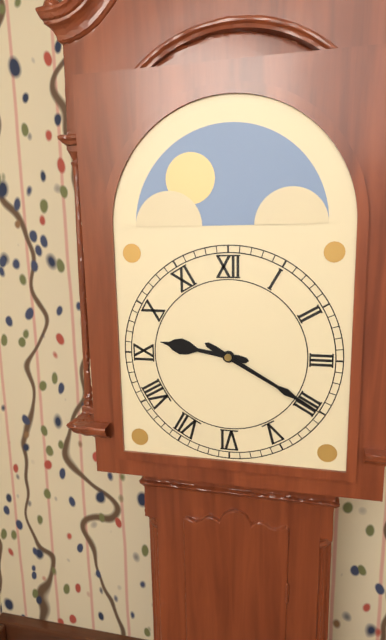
9:20
